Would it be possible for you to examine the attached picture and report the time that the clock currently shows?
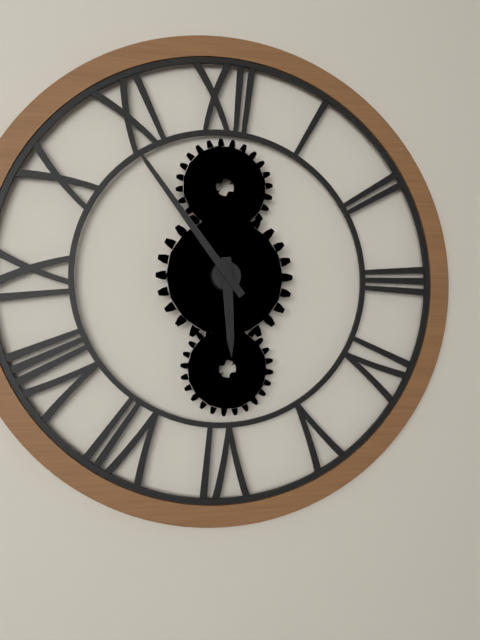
5:54
